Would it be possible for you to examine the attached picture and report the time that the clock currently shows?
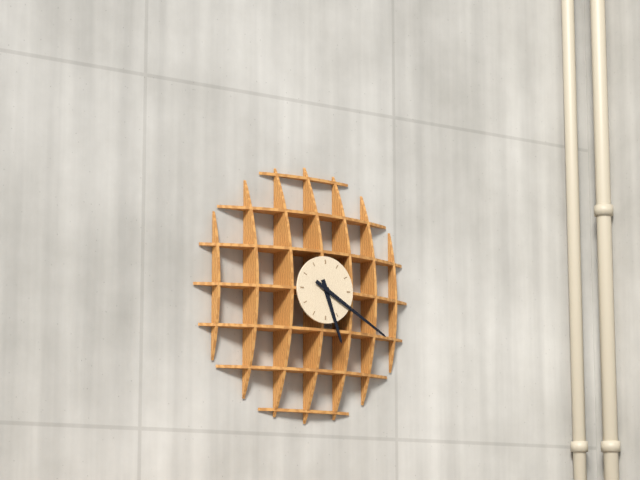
5:20
